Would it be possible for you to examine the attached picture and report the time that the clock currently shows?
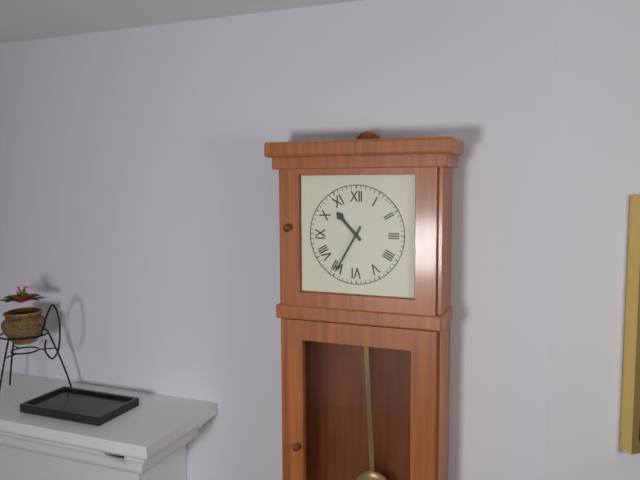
10:35
